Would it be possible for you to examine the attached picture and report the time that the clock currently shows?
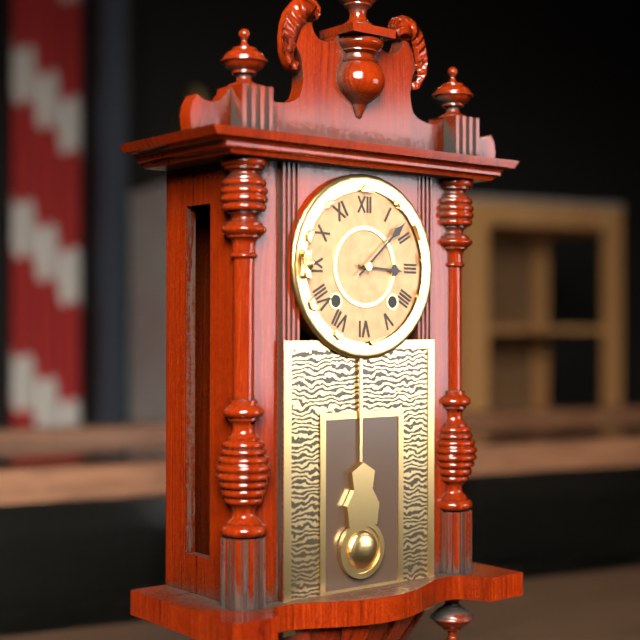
3:08
